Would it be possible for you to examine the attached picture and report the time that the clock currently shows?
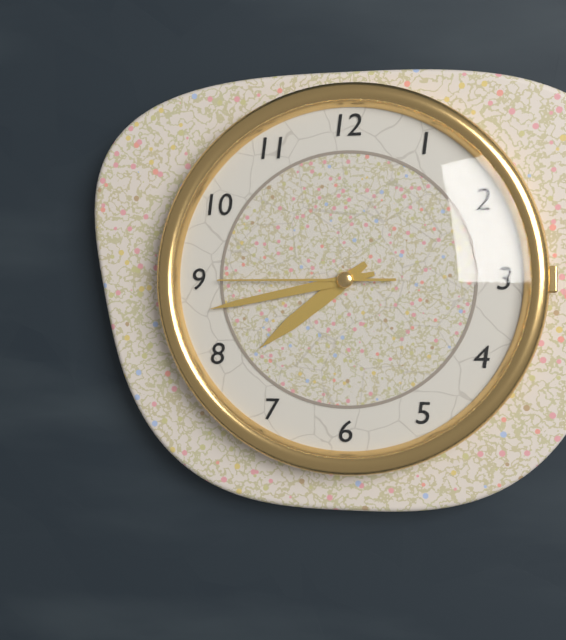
7:43:45
